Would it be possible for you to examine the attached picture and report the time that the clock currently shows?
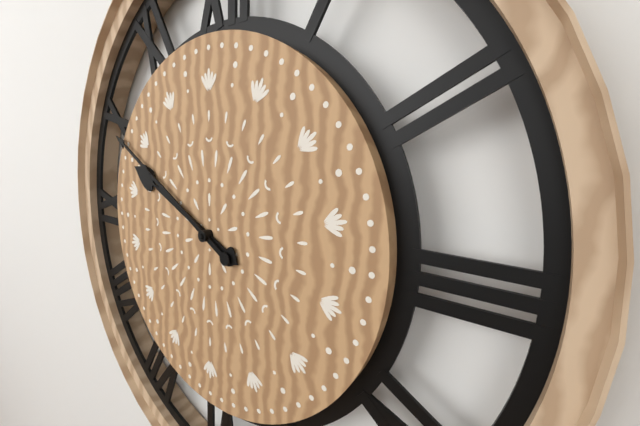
9:50
